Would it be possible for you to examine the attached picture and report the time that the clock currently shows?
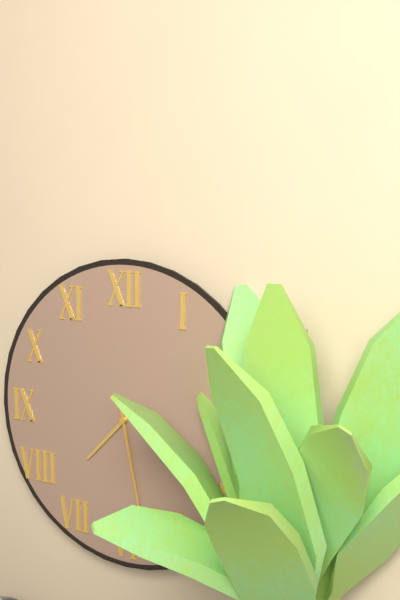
7:28:28
